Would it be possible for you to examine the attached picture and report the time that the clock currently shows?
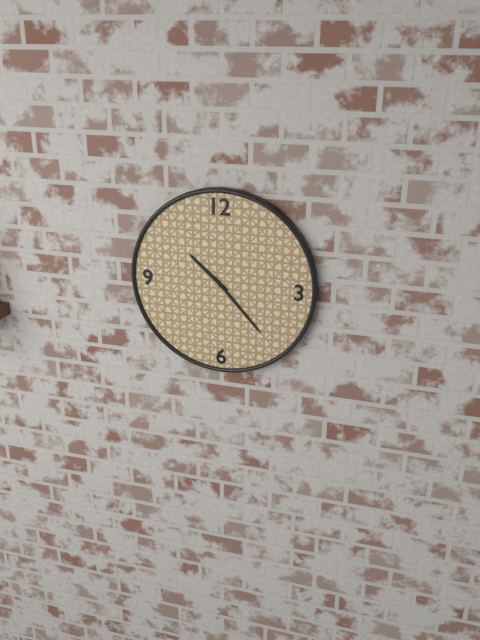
10:23
